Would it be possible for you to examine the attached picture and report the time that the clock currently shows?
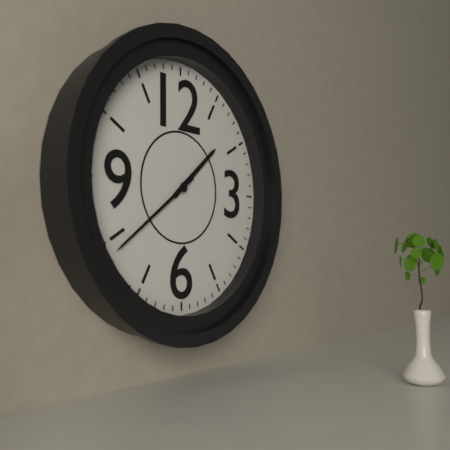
1:39
